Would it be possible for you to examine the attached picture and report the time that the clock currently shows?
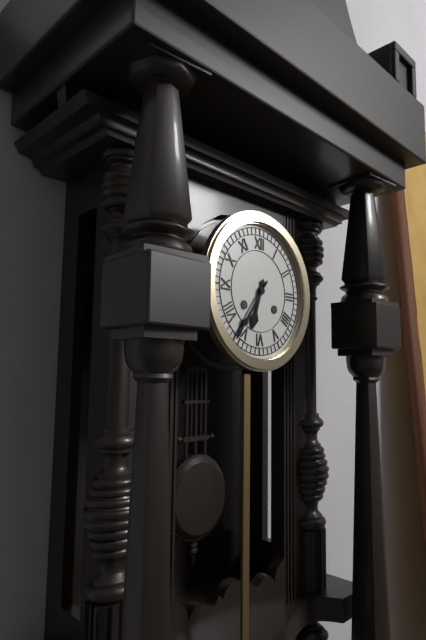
6:36
